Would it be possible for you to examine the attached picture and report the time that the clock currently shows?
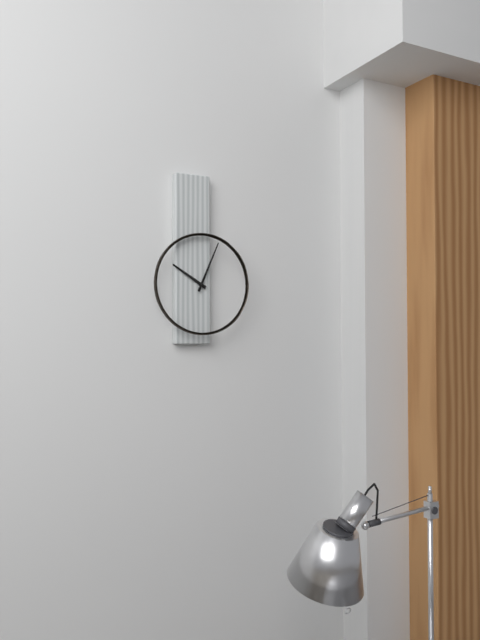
10:04
